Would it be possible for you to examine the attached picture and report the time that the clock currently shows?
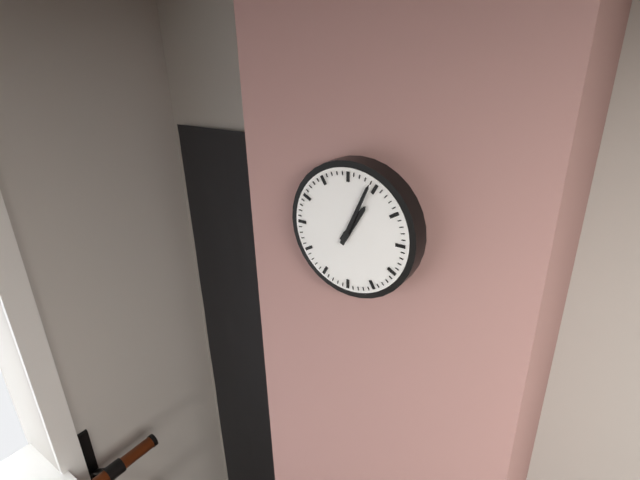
1:04
